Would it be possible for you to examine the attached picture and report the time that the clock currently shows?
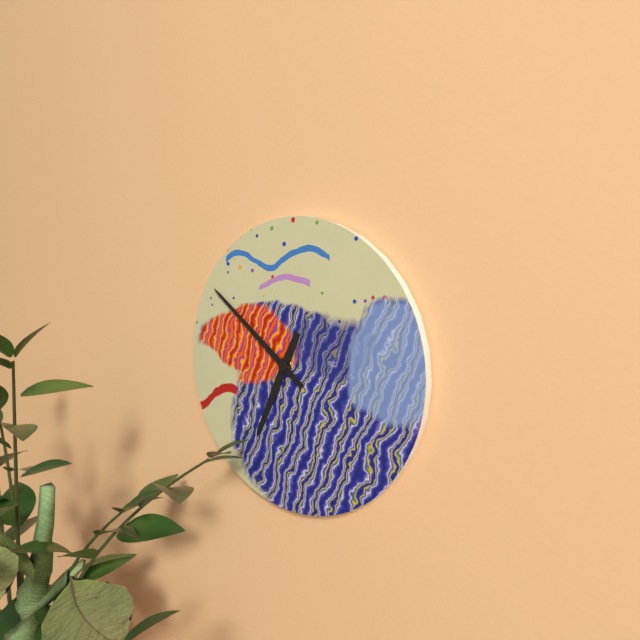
6:51
